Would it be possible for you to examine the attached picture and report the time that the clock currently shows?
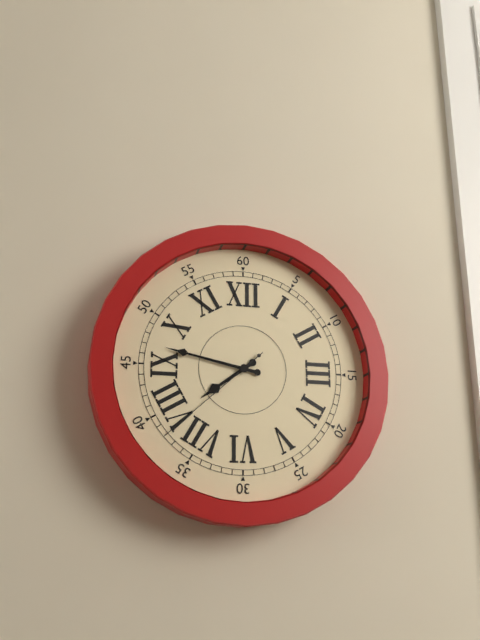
7:47:38
